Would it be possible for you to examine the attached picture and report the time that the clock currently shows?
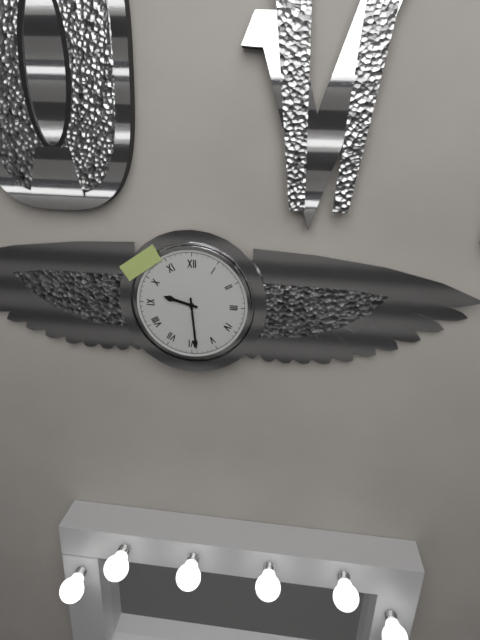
9:29
